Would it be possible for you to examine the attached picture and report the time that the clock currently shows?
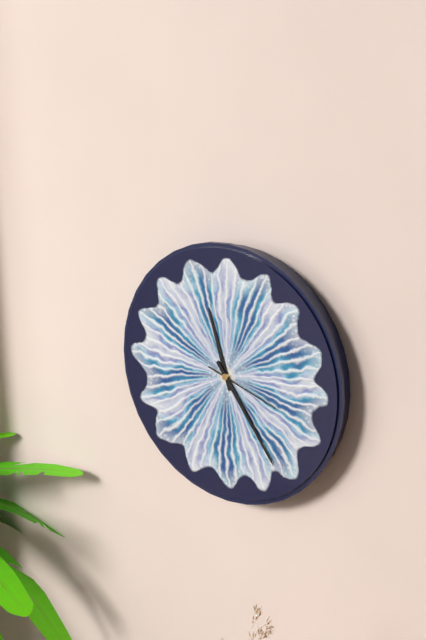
11:24:18
